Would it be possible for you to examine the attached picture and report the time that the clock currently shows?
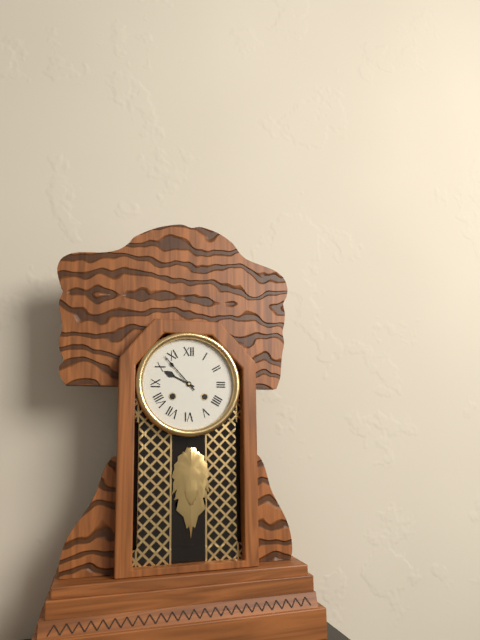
9:53
